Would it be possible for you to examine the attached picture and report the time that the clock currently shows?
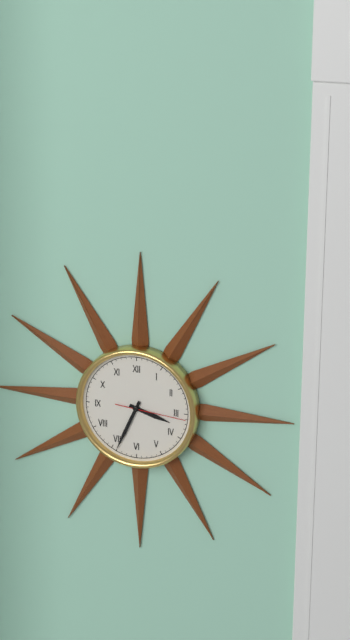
3:34:16
